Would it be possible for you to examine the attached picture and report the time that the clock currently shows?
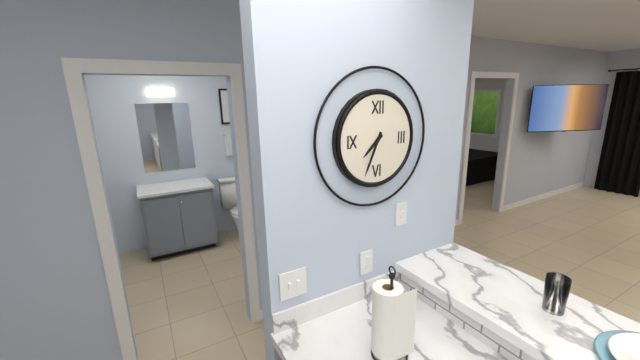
7:34
